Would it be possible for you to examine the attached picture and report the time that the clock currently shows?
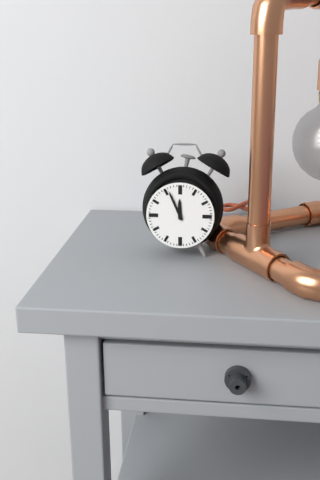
11:56
